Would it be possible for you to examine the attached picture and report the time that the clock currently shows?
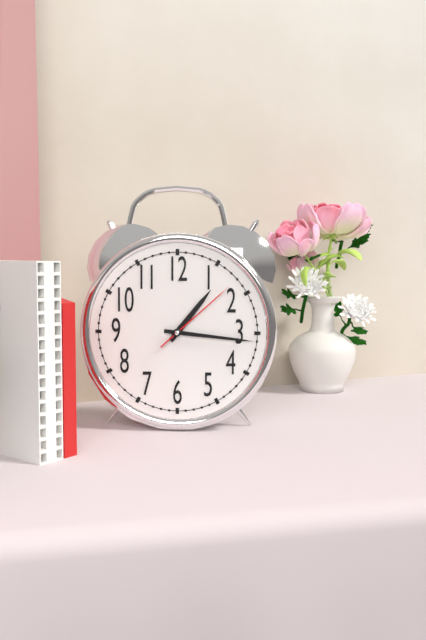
1:16:08
